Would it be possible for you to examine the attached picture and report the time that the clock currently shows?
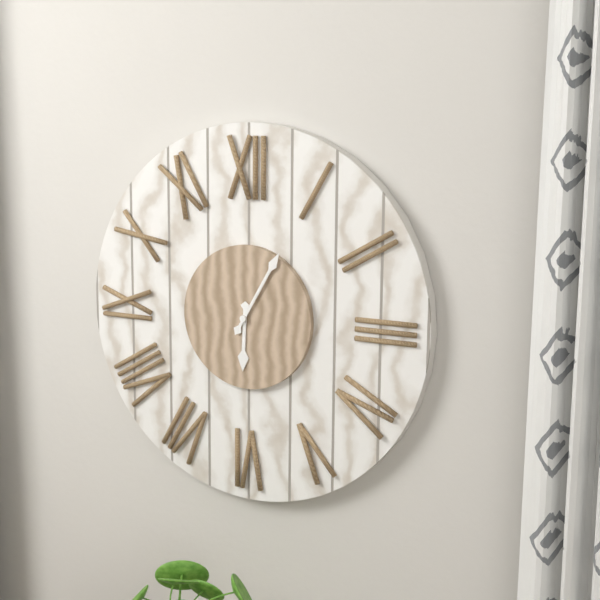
6:05
